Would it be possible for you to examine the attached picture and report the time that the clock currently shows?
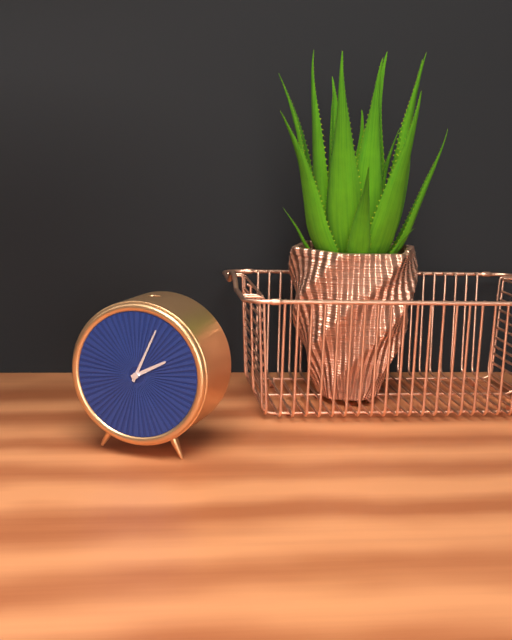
2:04
